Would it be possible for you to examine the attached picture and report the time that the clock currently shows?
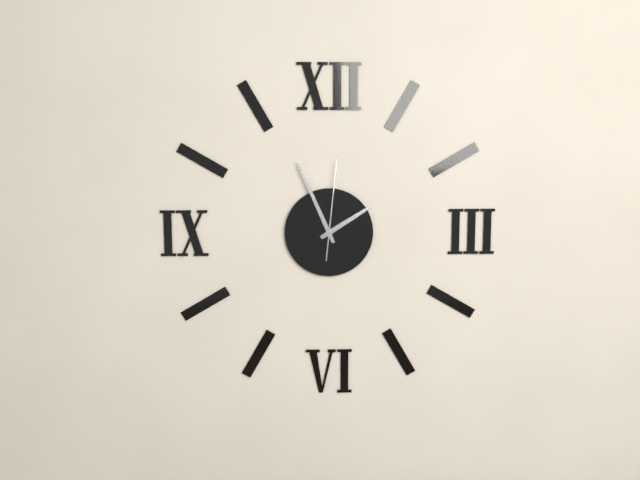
1:56:01
